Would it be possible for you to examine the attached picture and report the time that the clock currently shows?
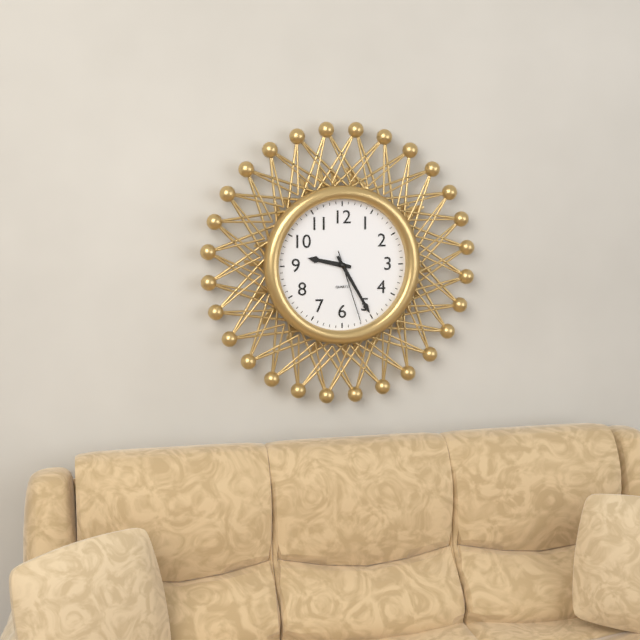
9:25:27
